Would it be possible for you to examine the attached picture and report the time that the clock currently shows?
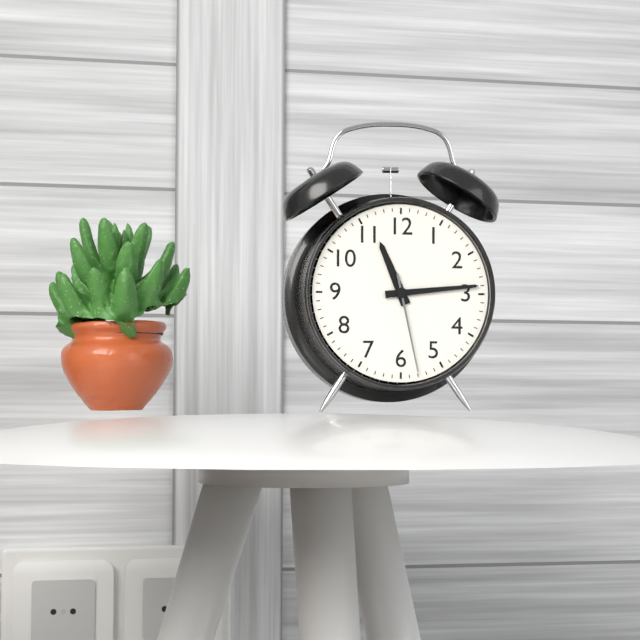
11:14:28
